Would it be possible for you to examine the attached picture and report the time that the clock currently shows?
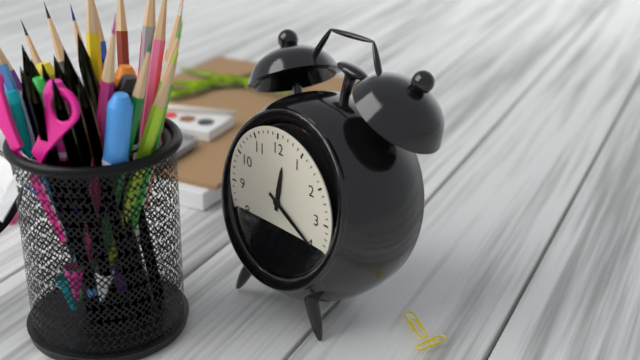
12:20
